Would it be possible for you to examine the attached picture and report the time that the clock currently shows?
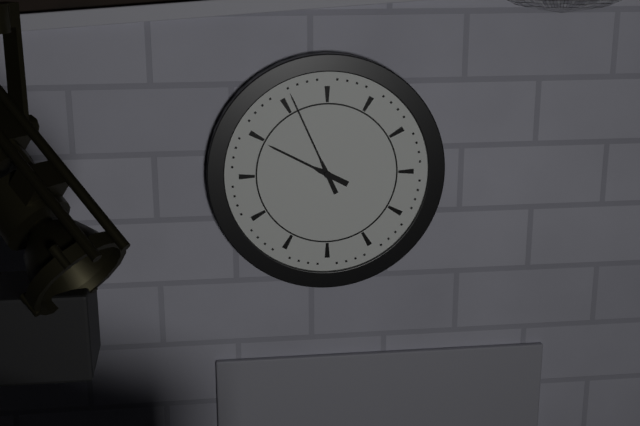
9:56
